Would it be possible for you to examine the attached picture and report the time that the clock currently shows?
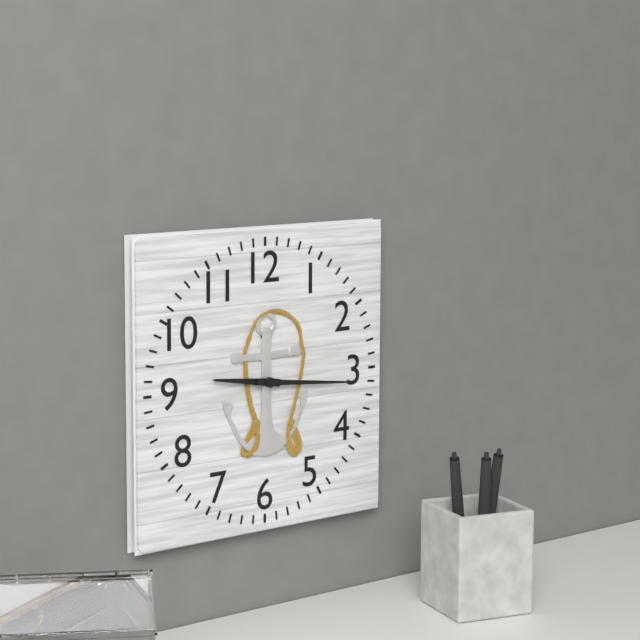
9:16
